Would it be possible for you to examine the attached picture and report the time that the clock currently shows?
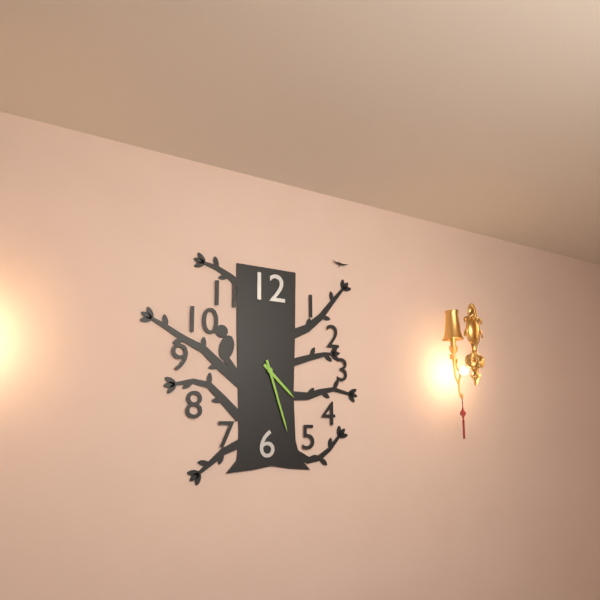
4:27
